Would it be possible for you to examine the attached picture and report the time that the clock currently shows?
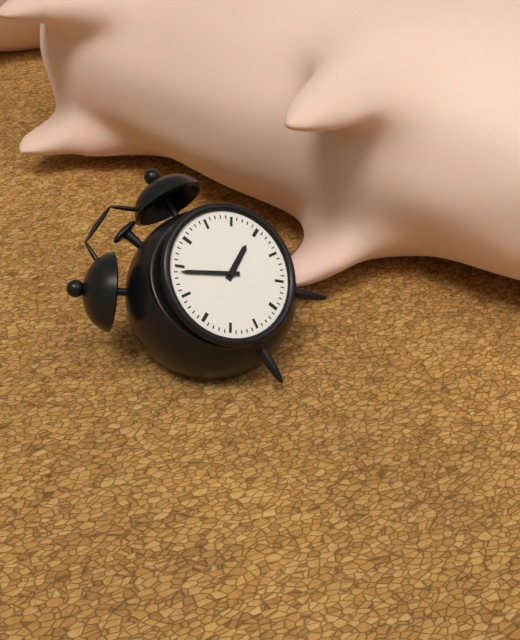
2:54
